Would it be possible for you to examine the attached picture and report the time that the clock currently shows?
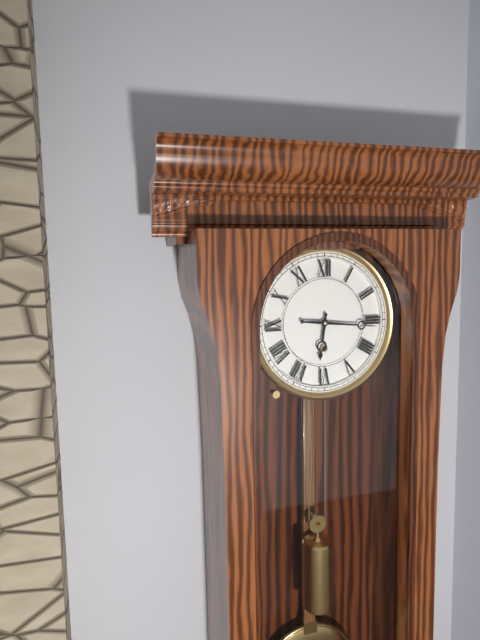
6:16
